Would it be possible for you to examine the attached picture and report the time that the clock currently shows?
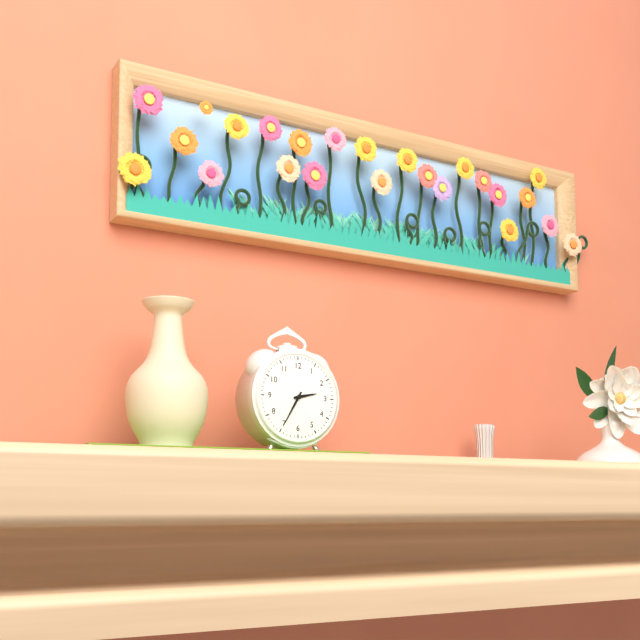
2:35
